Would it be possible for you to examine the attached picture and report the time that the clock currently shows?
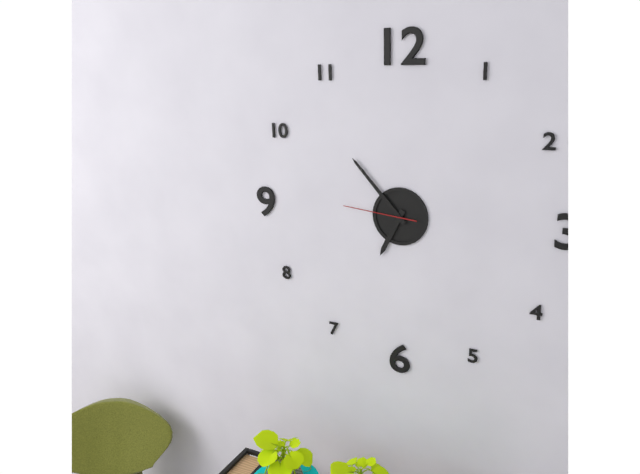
6:53:46
